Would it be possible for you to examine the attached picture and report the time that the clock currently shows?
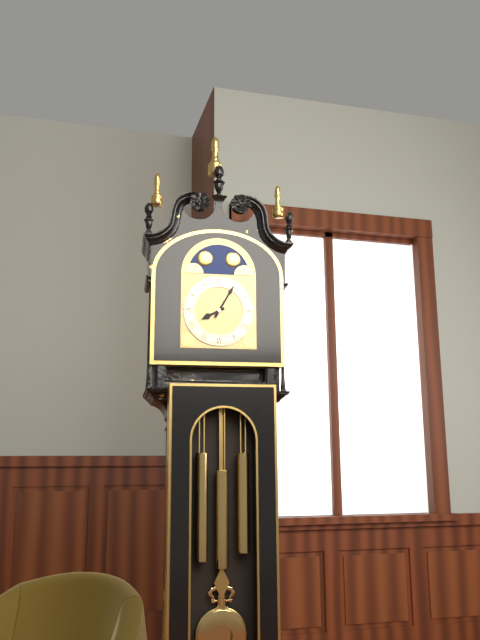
8:05
